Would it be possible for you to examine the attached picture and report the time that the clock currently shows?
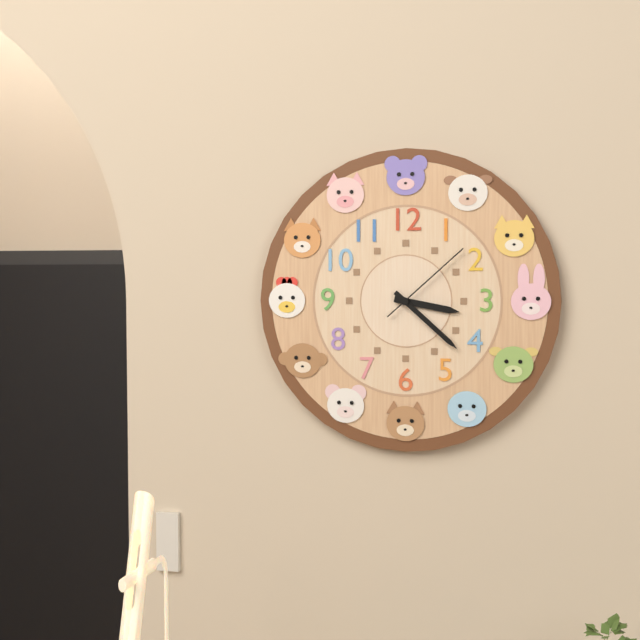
3:22:08
